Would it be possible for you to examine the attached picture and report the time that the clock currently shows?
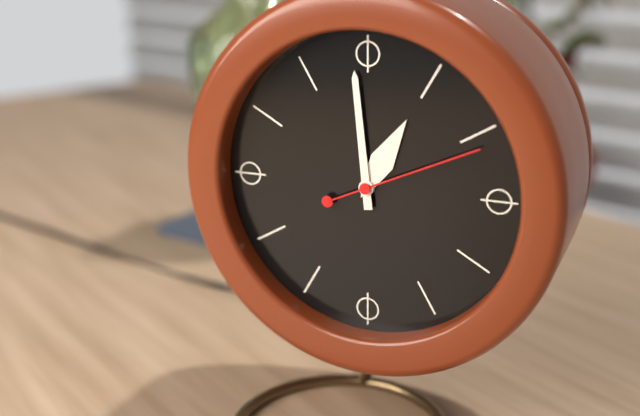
12:59:11
